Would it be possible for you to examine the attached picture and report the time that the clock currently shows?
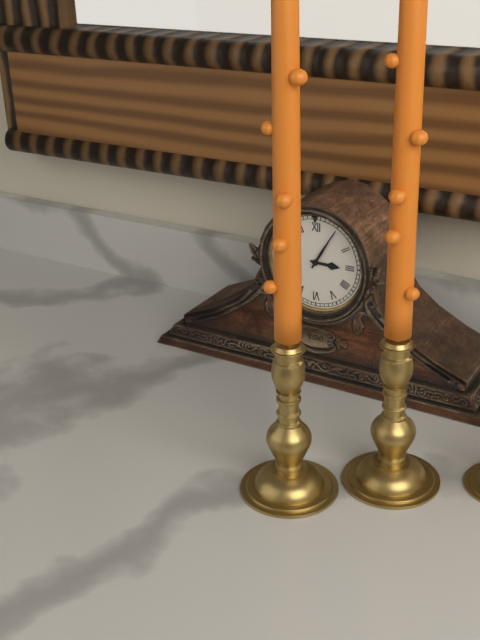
3:05
